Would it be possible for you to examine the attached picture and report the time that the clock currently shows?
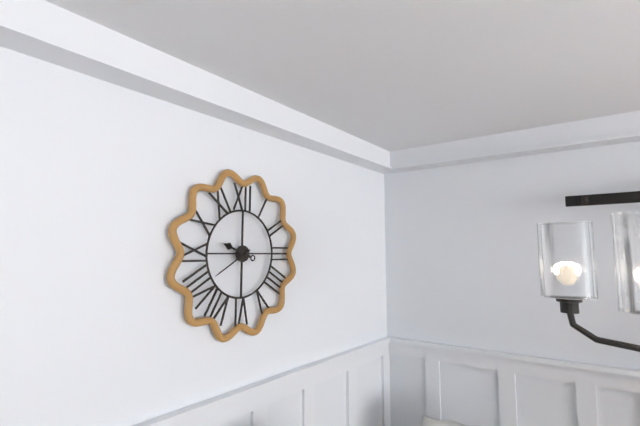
9:40
